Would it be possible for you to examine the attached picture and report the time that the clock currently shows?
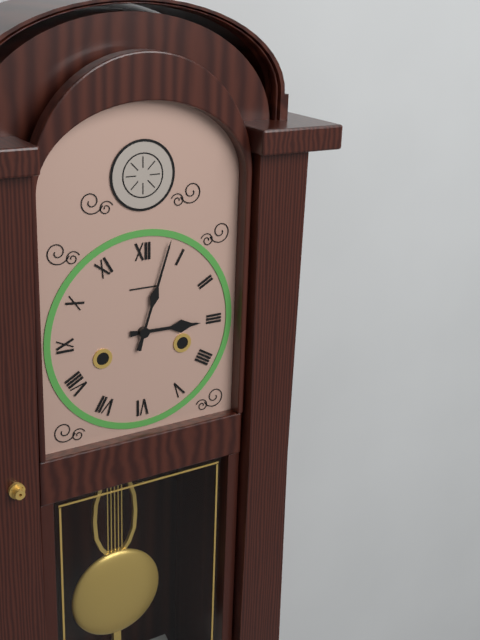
3:03
